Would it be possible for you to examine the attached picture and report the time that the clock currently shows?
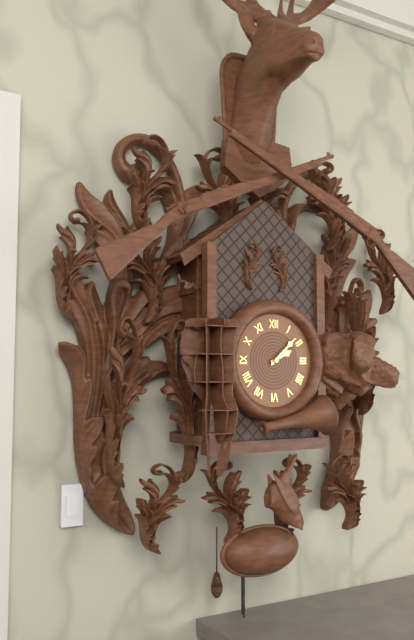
2:08
